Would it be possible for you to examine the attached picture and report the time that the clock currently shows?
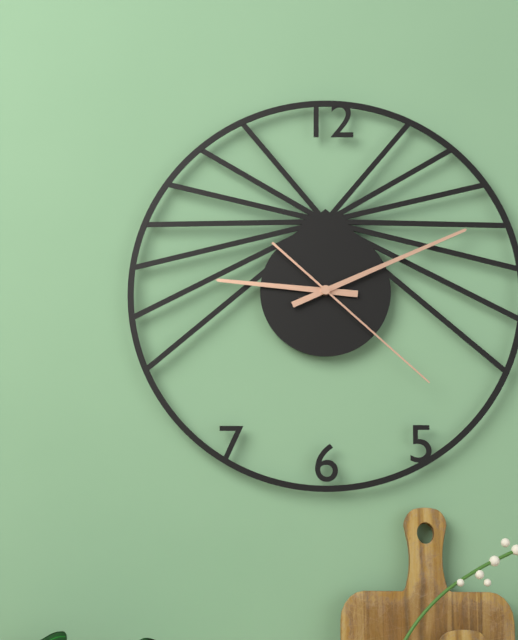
9:11:22
